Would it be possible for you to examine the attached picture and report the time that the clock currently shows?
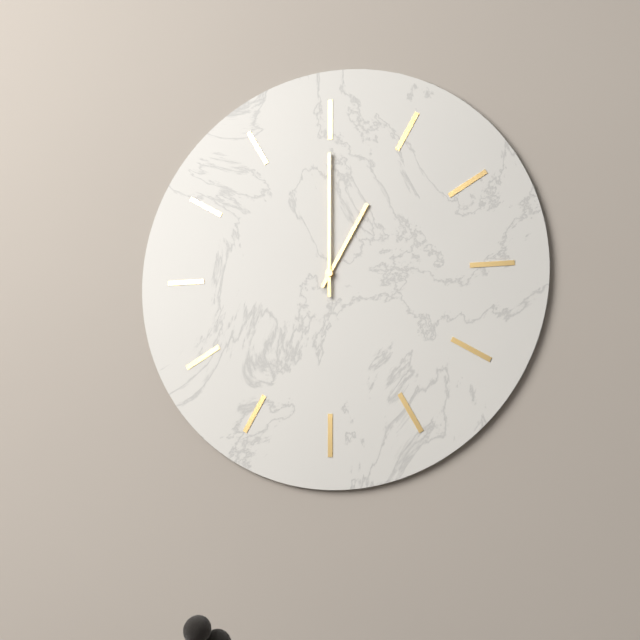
1:00
